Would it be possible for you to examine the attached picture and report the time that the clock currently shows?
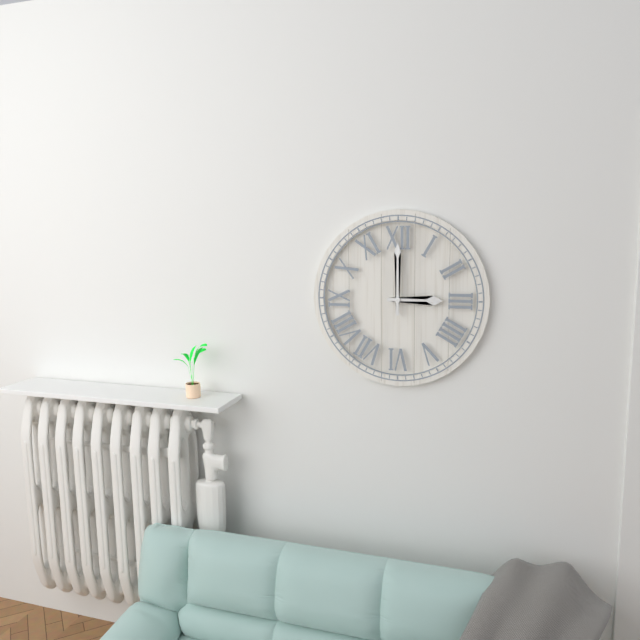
3:00
